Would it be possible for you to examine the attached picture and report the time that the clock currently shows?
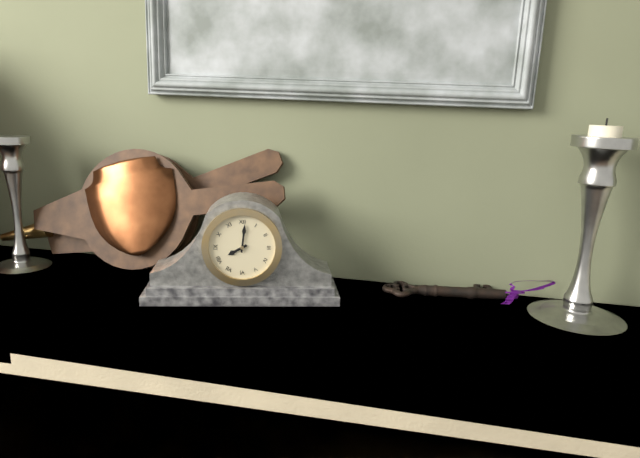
8:01
